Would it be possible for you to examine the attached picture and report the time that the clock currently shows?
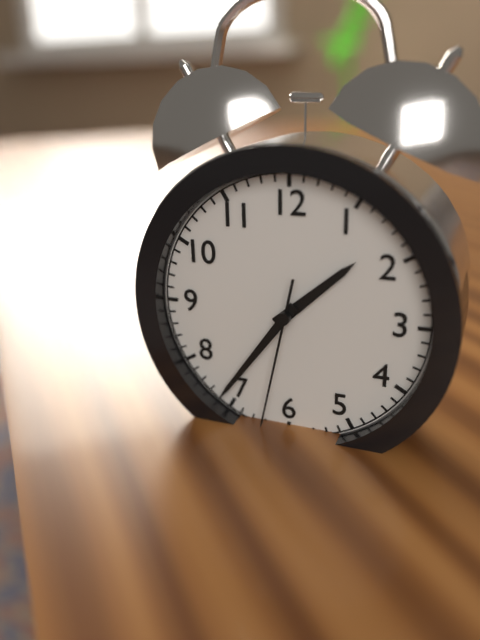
1:36:32
